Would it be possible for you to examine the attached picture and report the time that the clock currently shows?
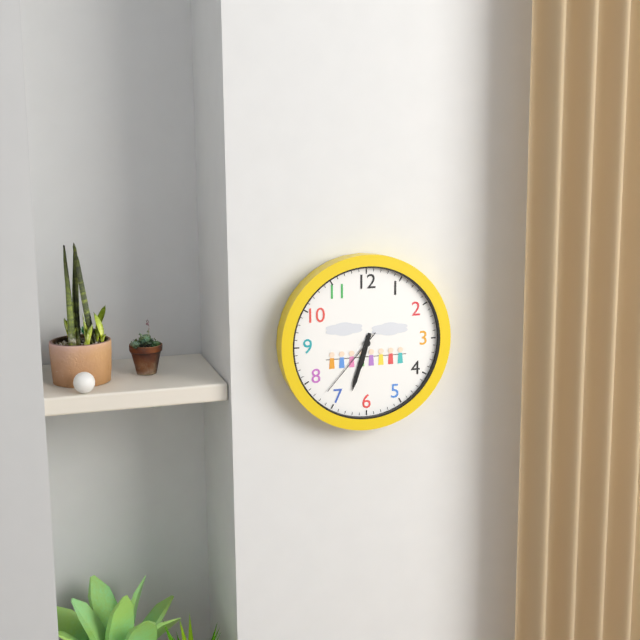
6:33:37
